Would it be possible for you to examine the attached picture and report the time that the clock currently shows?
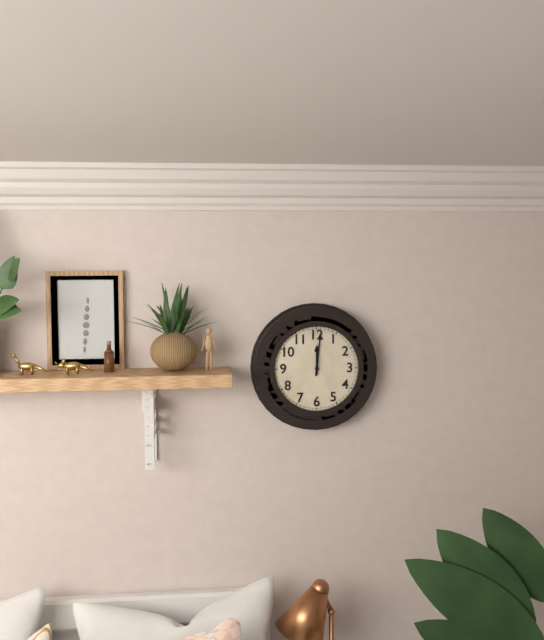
12:01
